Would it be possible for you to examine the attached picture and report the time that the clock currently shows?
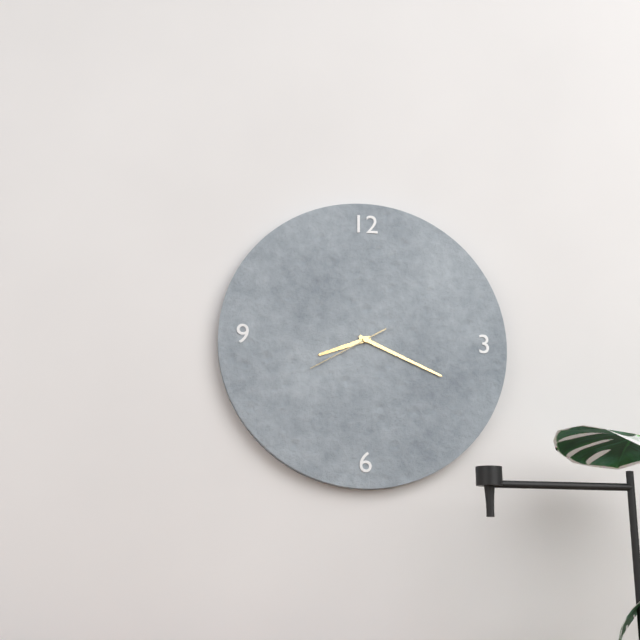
8:19:40
